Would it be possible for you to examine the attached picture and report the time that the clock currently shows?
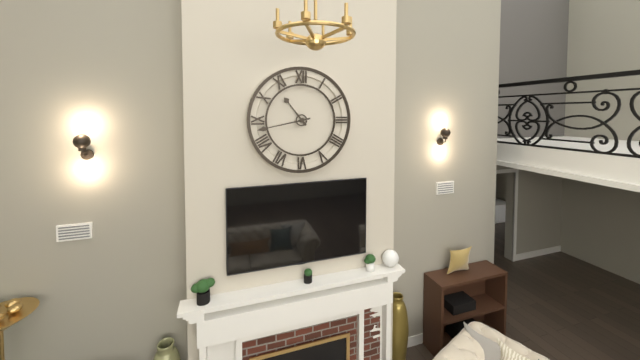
10:43
